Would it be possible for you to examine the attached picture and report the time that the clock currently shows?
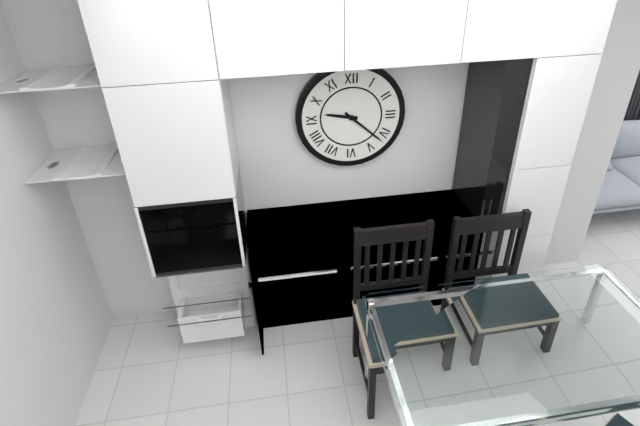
9:22
